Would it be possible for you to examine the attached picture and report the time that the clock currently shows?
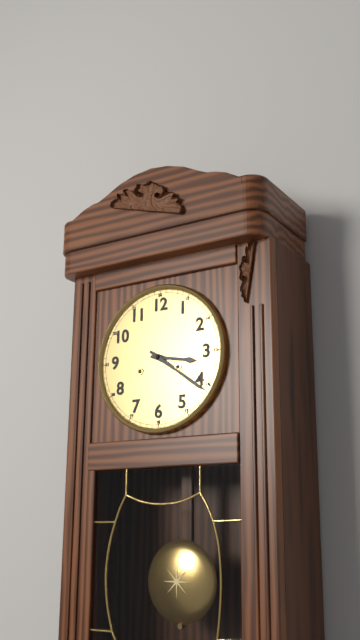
3:21
